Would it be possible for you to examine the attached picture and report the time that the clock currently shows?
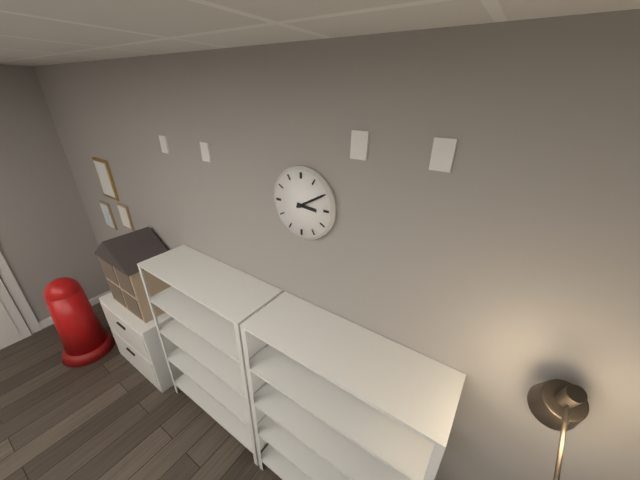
3:10
